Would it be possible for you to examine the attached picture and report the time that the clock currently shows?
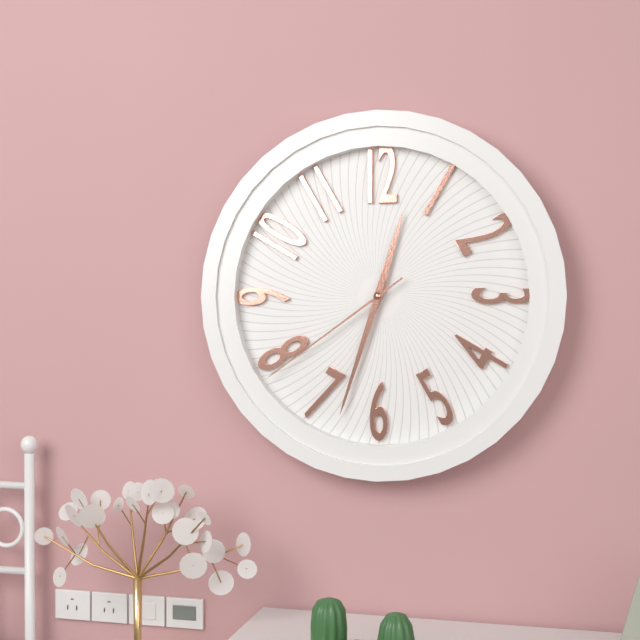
12:33:39
